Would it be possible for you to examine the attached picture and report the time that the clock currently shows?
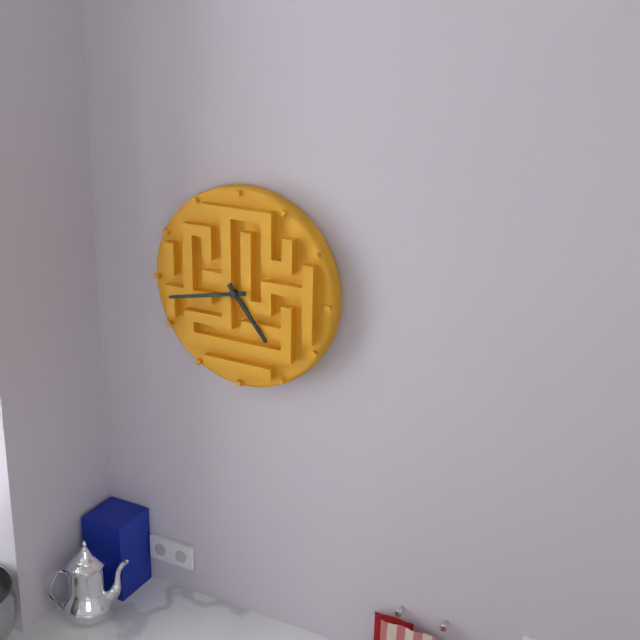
4:43
